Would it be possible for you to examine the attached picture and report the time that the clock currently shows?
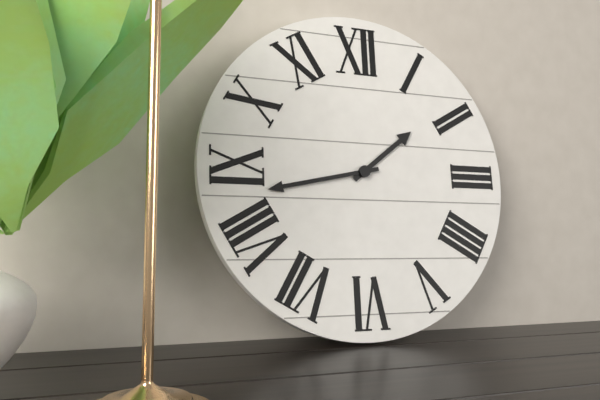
1:43
